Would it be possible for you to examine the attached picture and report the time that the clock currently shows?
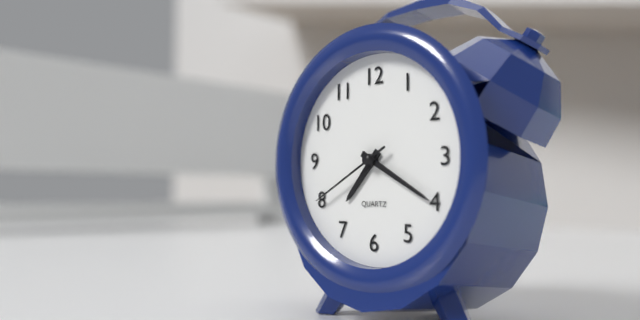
7:20:40
